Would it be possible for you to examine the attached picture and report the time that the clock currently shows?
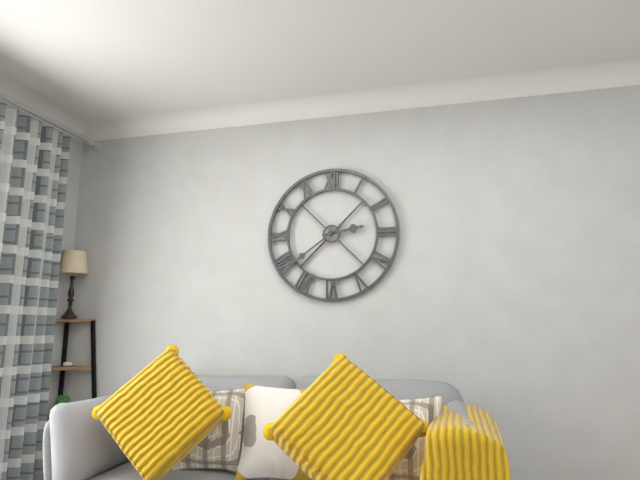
2:39
